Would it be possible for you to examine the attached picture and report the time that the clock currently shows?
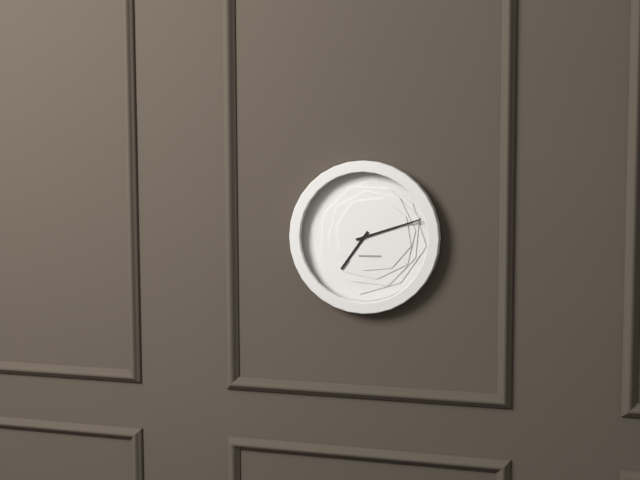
7:12
